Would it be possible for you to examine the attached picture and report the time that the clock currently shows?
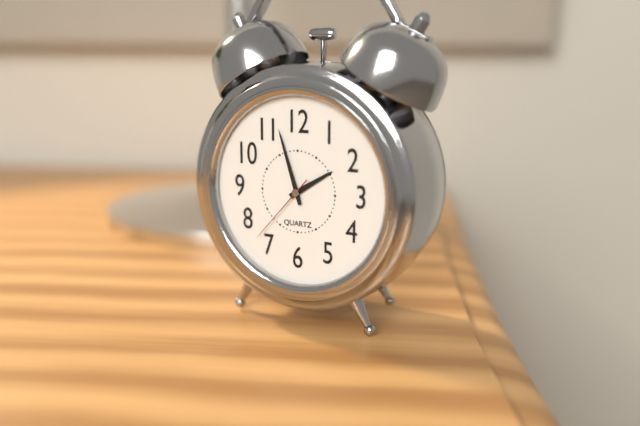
1:57:37
